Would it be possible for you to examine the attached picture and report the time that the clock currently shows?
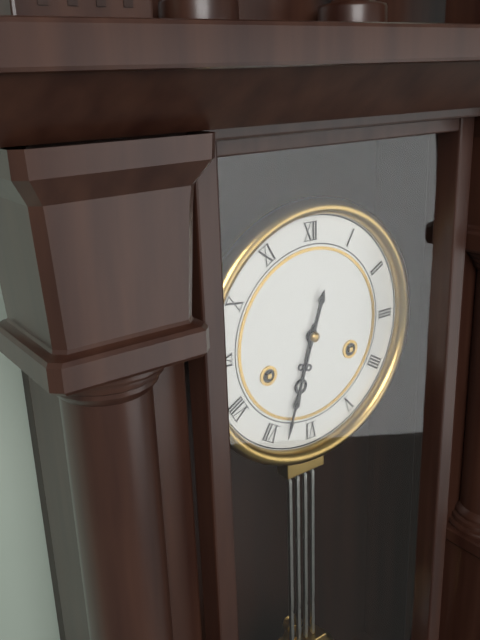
6:33
